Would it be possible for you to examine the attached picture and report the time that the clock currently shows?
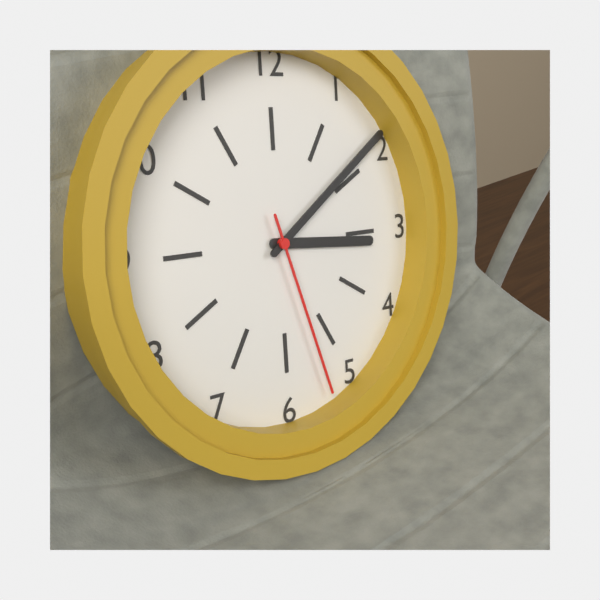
3:09:27
